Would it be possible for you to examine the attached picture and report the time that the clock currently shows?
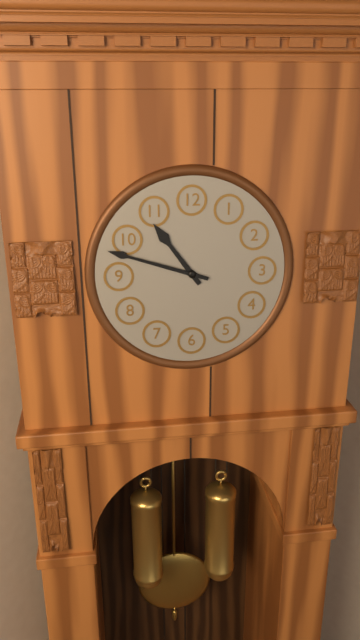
10:48
